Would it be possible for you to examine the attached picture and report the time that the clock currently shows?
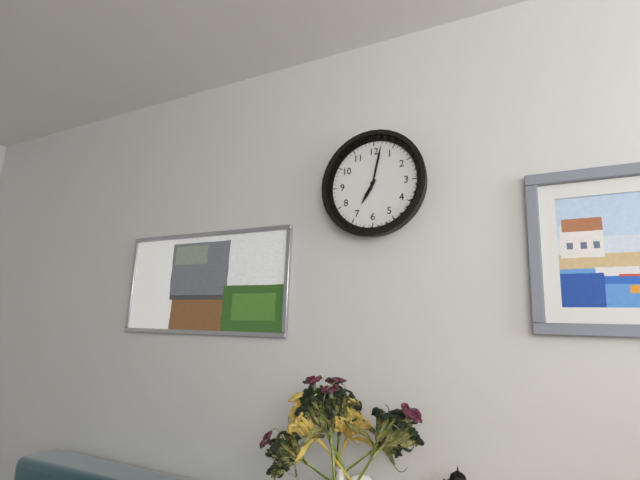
7:02
